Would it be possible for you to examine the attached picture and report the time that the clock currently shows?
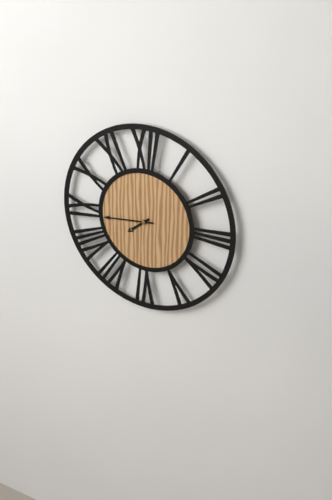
7:44
